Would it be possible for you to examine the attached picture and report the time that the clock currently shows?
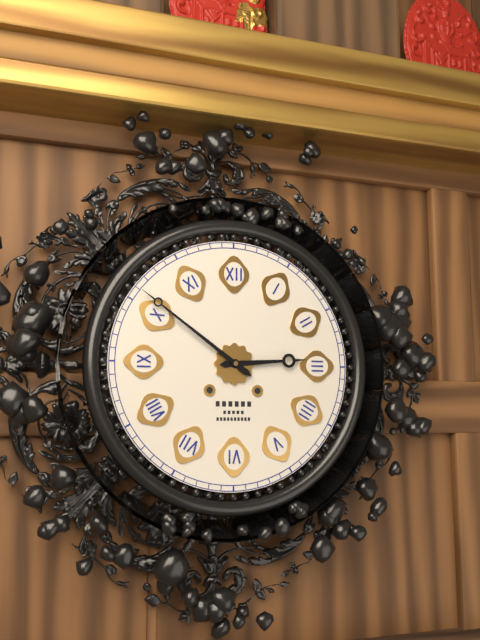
2:51
